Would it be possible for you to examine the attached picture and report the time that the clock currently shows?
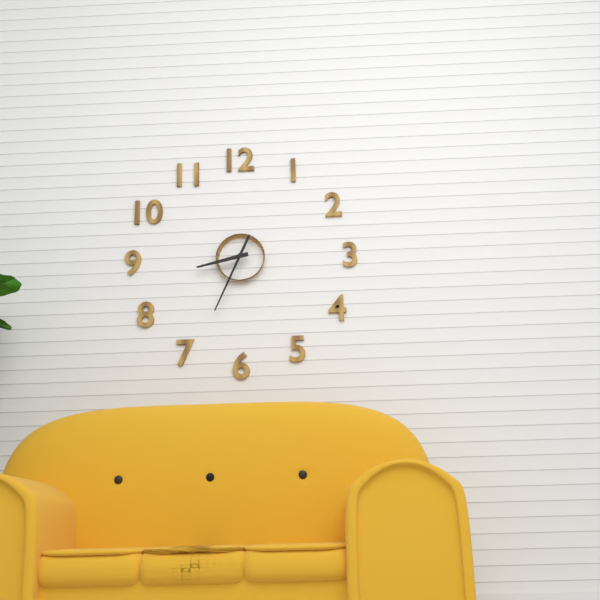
8:34
